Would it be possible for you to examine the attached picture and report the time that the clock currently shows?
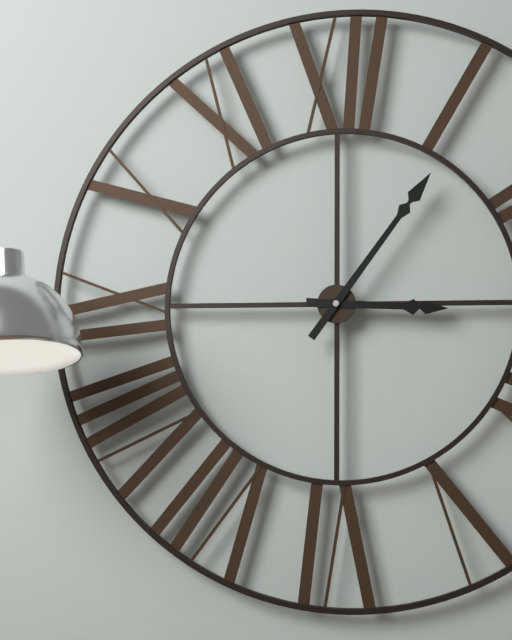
3:06
